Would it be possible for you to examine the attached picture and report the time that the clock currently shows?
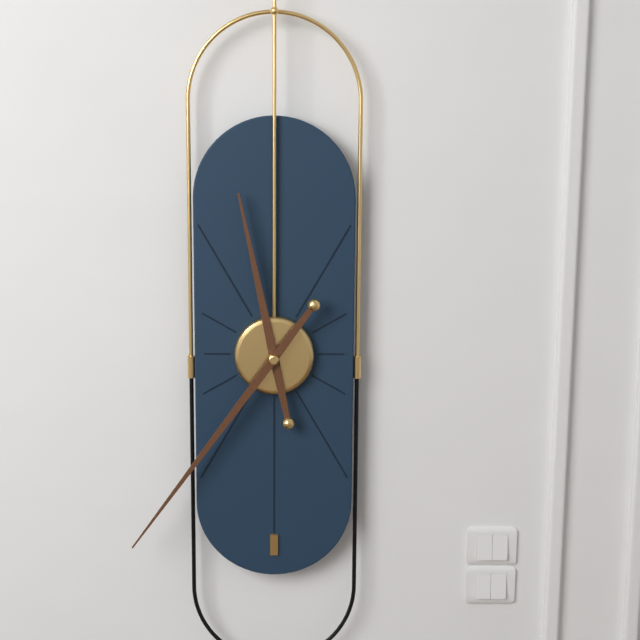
11:36
